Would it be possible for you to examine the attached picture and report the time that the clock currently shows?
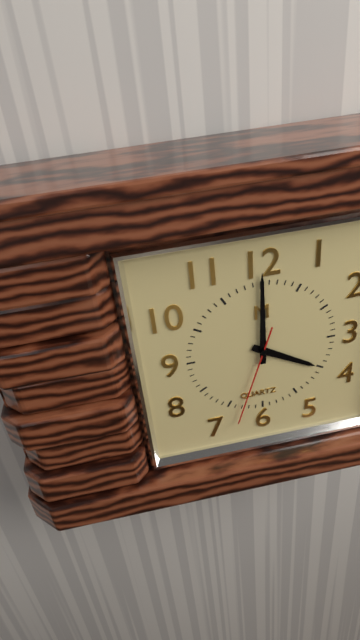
4:00:33
